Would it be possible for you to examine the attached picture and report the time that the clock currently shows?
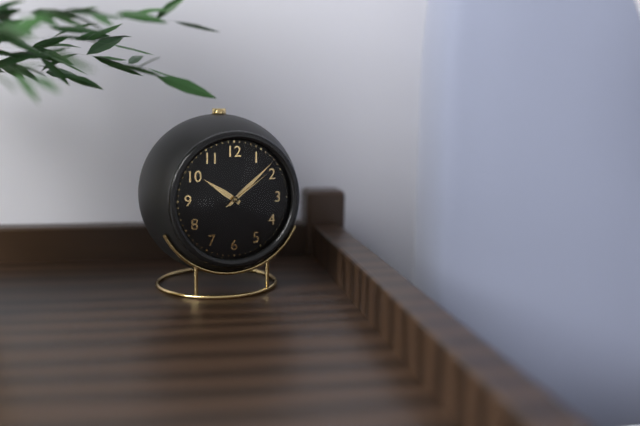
10:08:09
